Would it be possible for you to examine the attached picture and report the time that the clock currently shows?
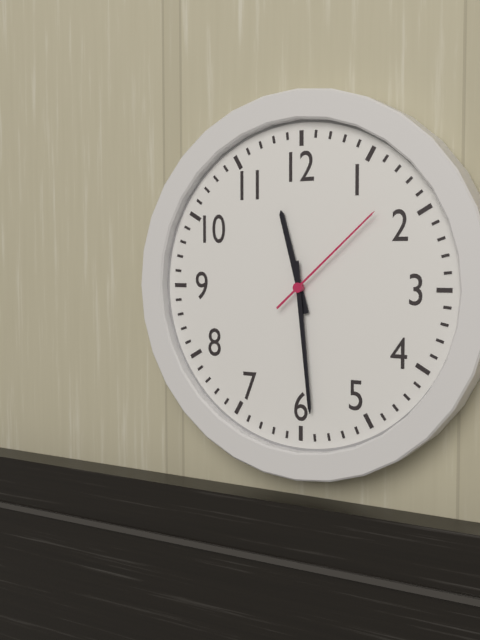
11:29:08
